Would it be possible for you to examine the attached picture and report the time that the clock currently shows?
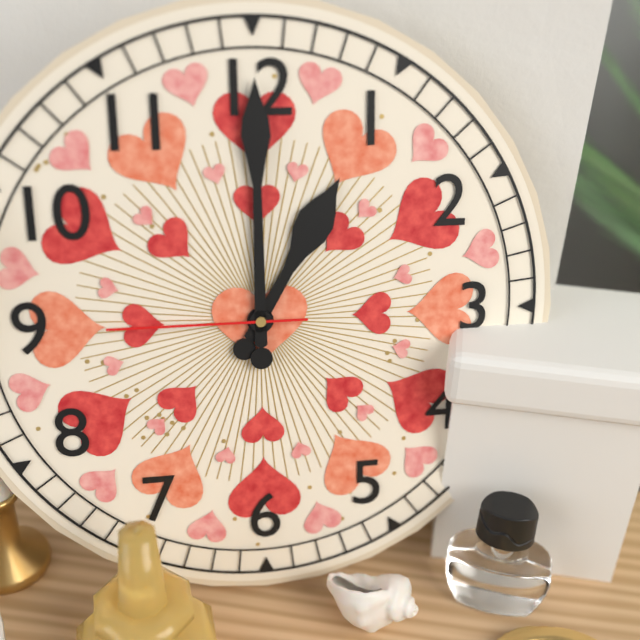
1:00:45
